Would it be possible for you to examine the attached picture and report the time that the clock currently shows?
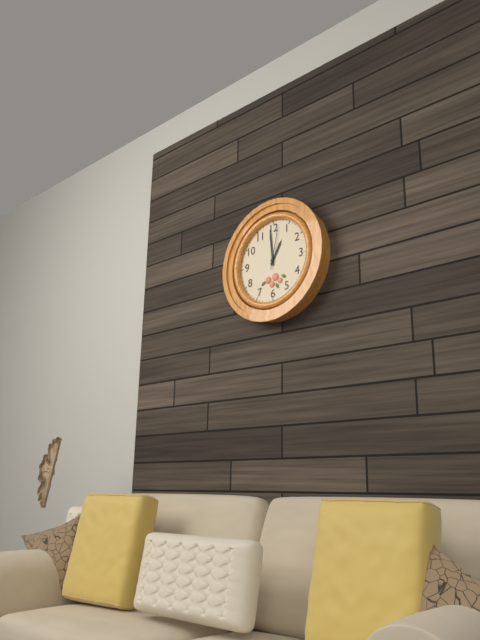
12:59
